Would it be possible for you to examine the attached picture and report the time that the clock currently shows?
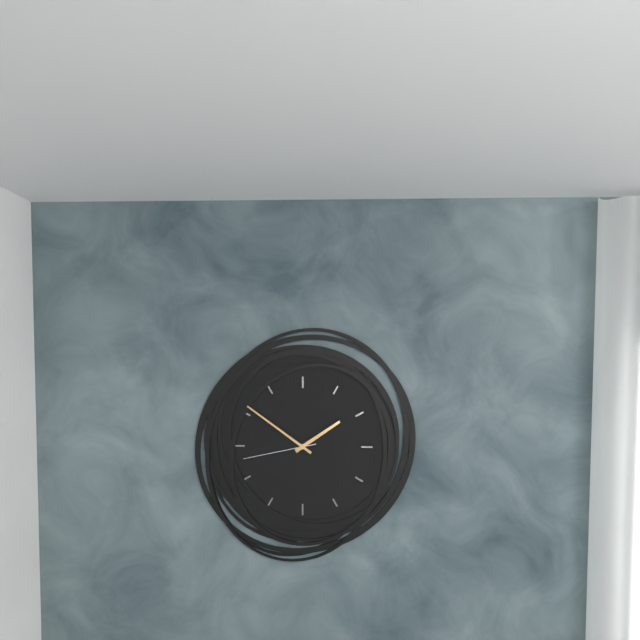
1:51:43
